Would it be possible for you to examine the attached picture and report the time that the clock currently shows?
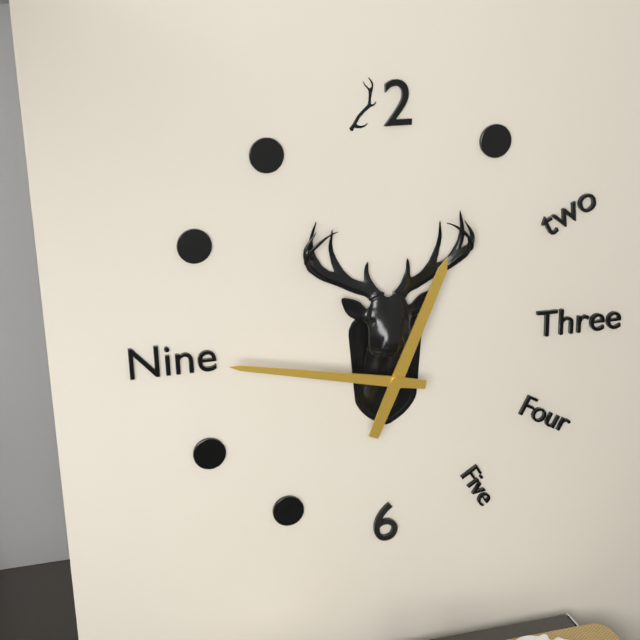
12:47
